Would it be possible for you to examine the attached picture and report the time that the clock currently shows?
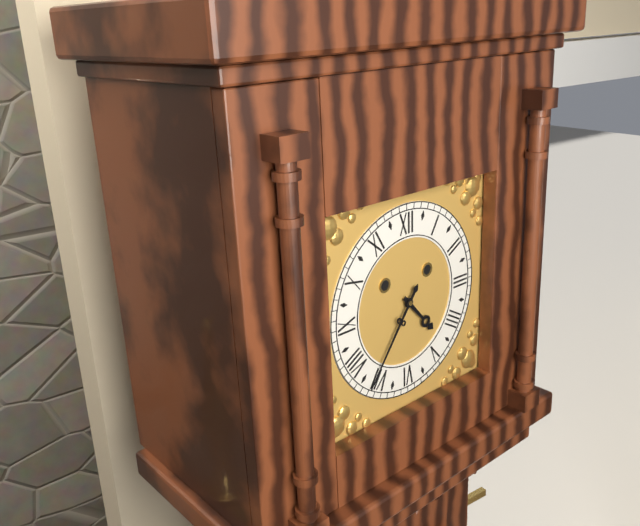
4:36
